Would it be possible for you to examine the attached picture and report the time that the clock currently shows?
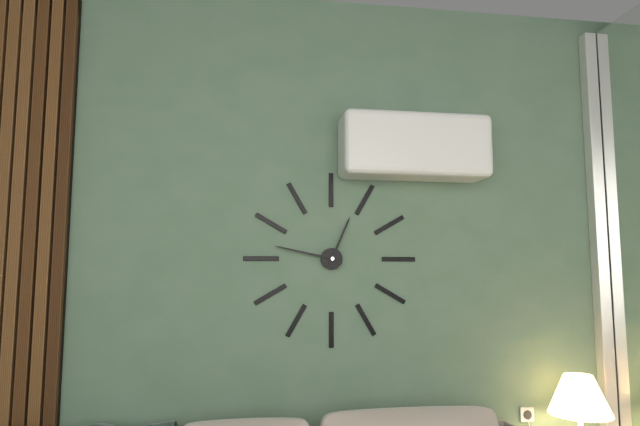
12:47
